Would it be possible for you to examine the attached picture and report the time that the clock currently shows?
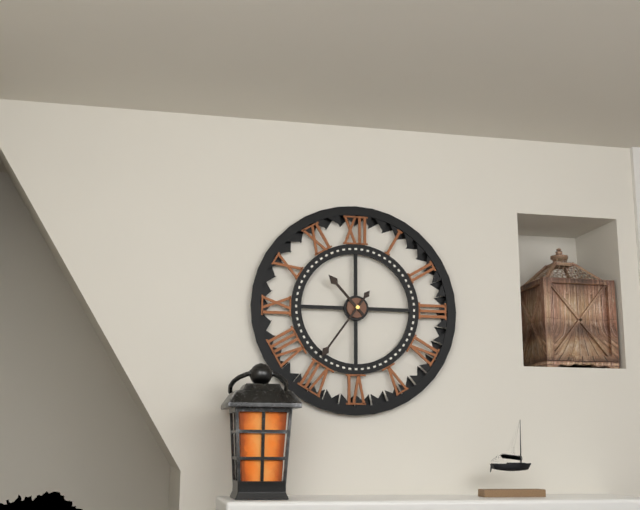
10:36
